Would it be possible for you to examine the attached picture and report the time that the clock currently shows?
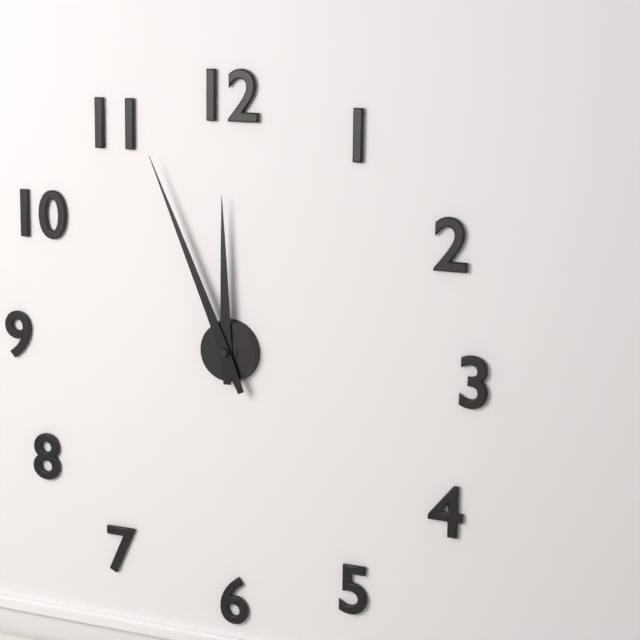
11:56
